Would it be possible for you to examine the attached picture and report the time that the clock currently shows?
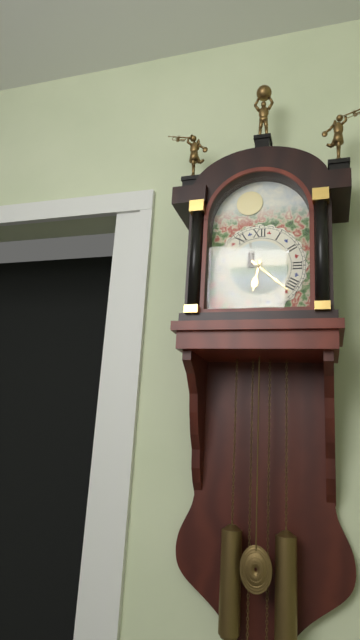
6:22
